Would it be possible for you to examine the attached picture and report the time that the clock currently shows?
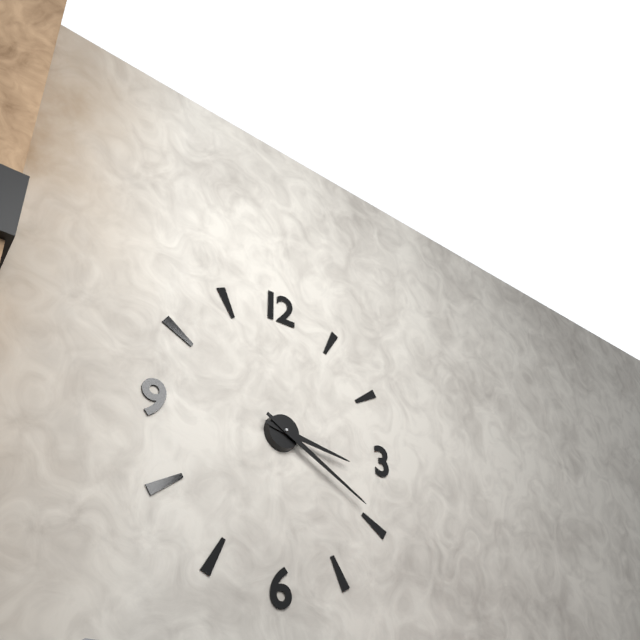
3:20
